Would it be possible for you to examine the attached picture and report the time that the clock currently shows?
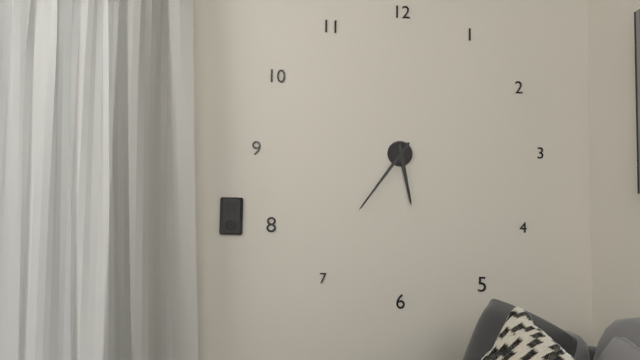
5:36
